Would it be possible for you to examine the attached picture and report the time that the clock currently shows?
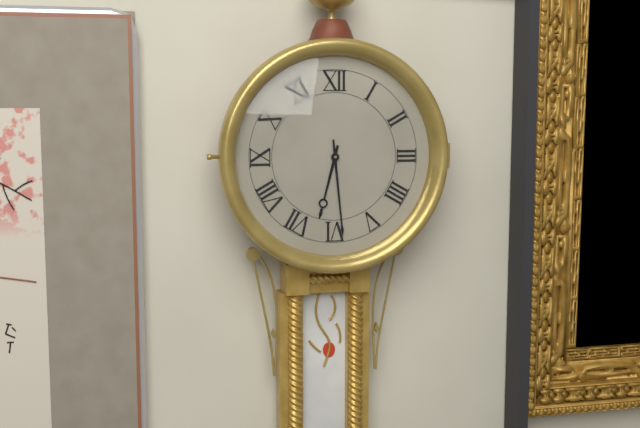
6:29
